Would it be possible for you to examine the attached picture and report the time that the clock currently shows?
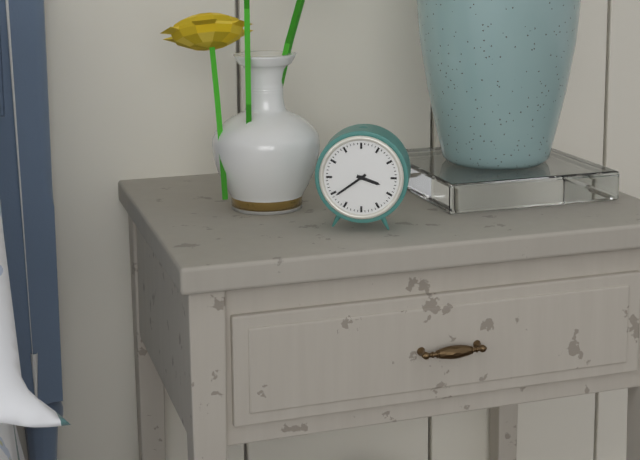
3:39
